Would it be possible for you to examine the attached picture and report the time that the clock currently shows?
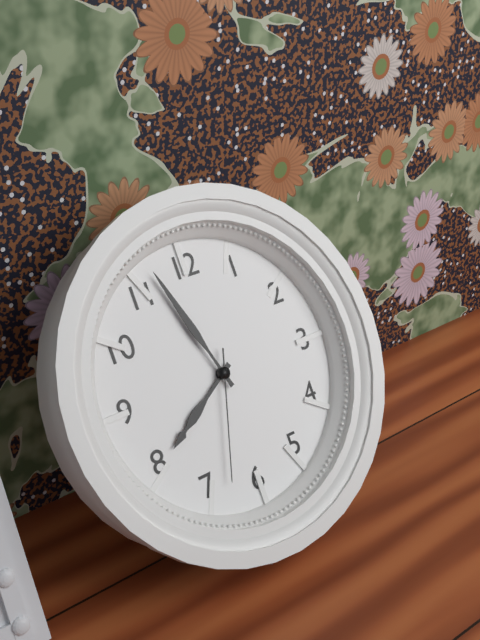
7:57:33
